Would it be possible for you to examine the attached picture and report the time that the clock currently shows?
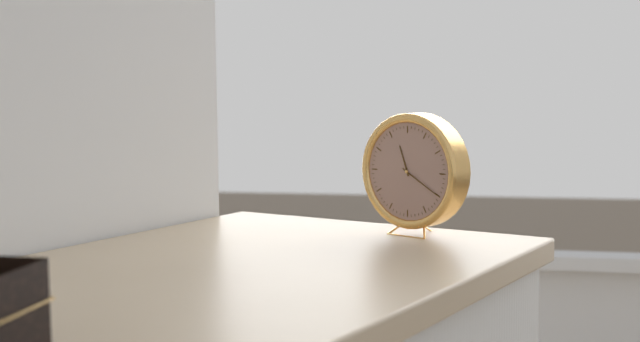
11:20
